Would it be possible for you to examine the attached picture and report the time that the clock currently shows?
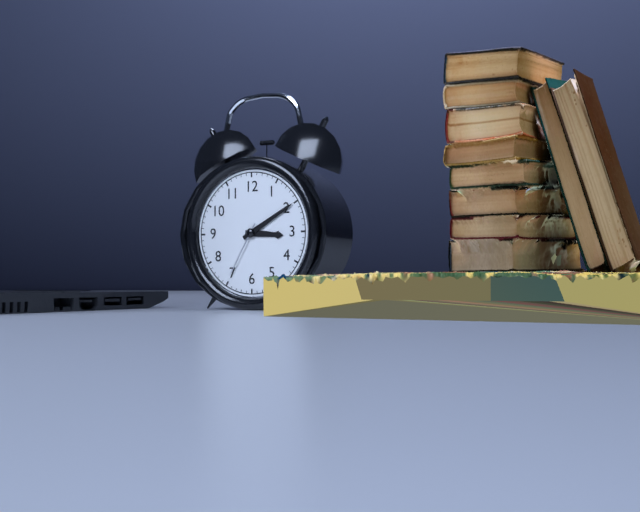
3:10:35
